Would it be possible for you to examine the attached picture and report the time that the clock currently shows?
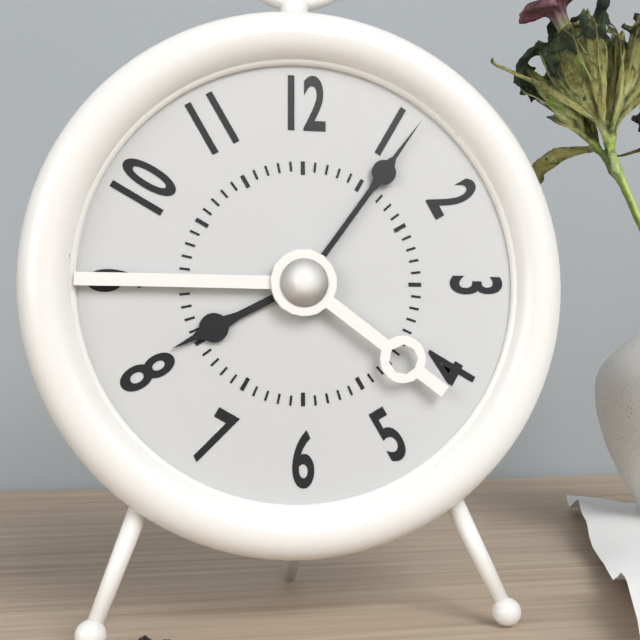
8:06
